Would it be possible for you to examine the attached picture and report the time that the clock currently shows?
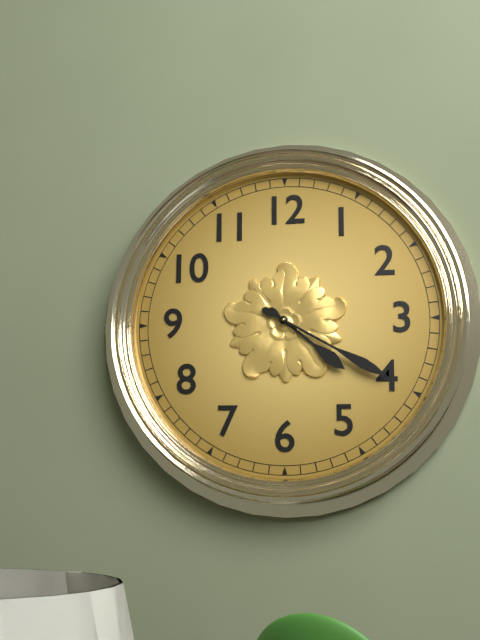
4:20
